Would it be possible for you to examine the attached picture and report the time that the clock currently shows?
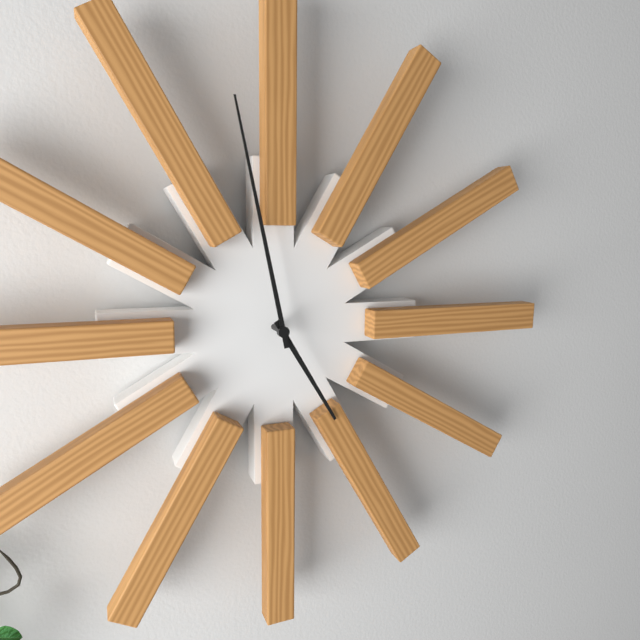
4:58
